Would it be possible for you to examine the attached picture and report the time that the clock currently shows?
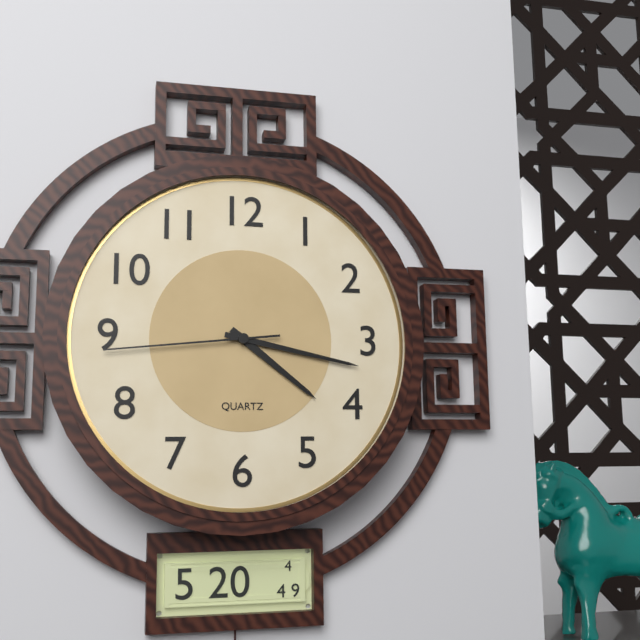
4:17:44
